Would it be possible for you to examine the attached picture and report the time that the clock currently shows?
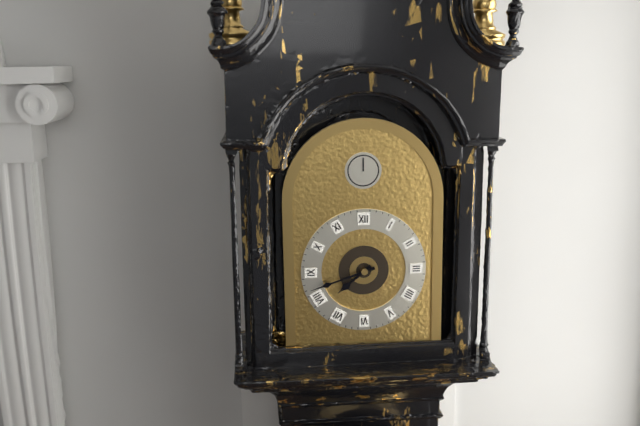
7:42
